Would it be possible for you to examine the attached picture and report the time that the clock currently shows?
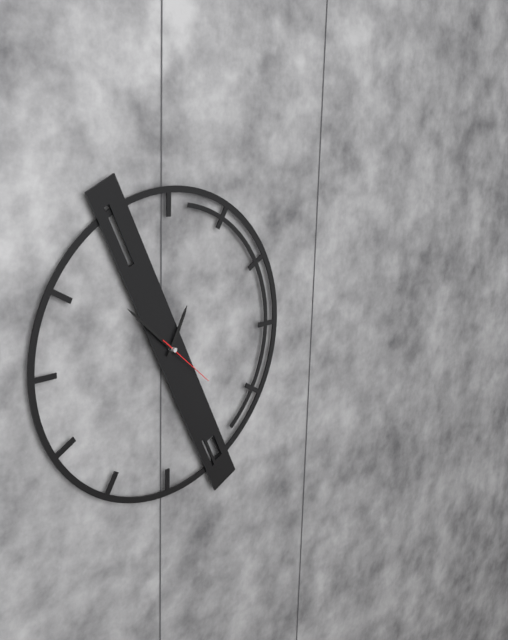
12:52:22
